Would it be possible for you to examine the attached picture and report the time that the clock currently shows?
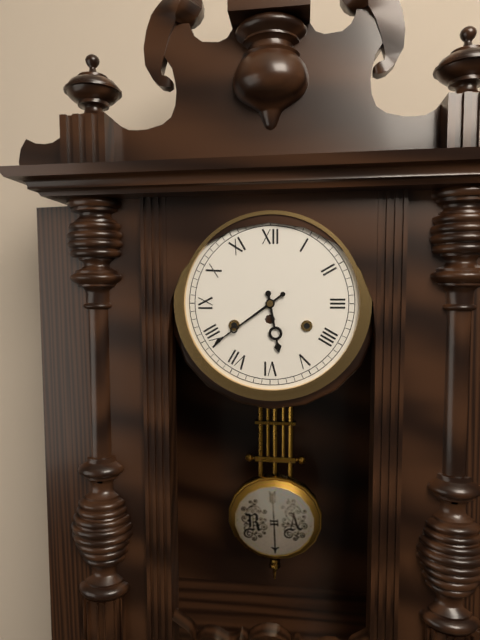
5:39
